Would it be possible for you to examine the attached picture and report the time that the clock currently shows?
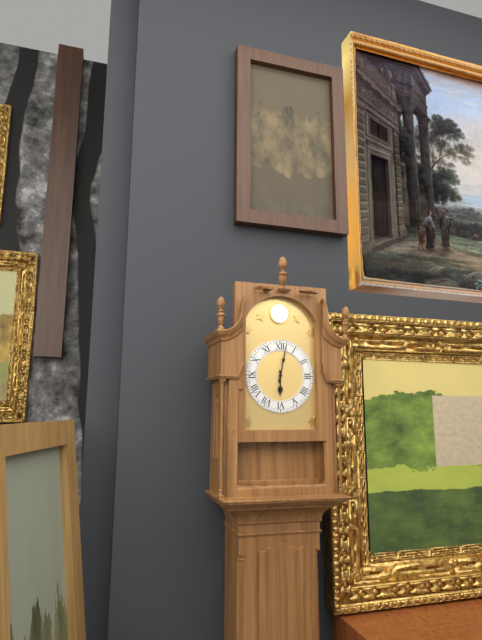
6:02
